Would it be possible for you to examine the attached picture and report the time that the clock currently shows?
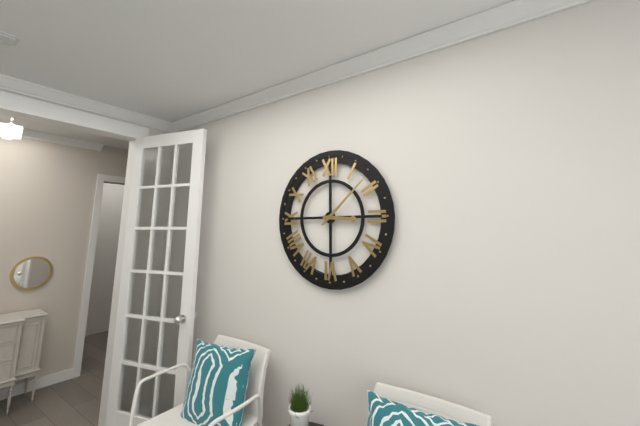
3:08
